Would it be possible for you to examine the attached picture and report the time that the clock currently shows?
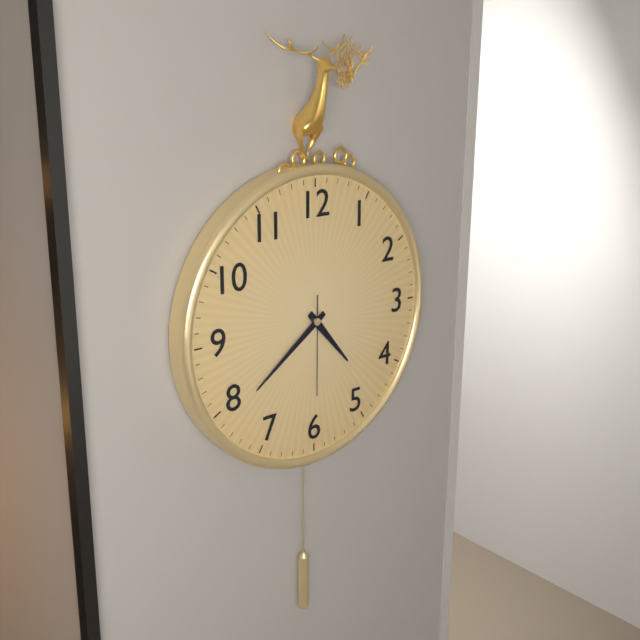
4:39:30
